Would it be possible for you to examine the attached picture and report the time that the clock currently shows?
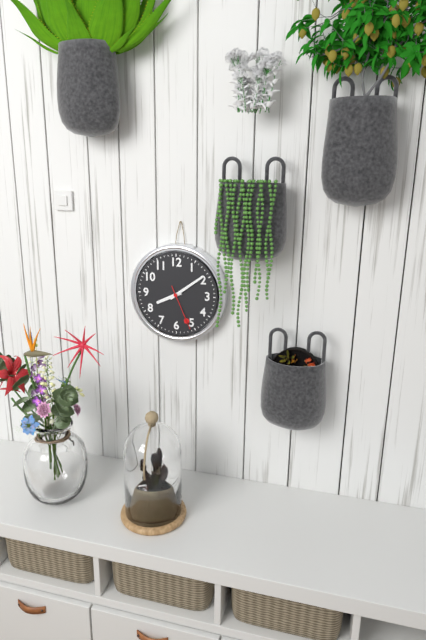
8:09
